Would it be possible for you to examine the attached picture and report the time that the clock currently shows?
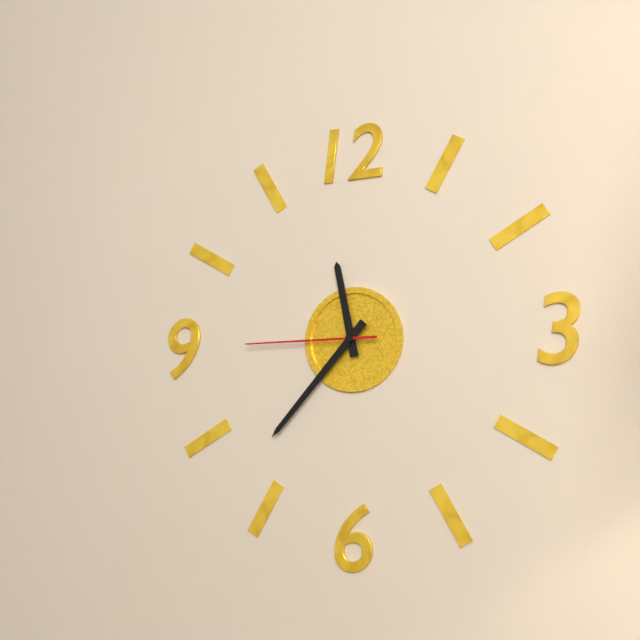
11:37:45
